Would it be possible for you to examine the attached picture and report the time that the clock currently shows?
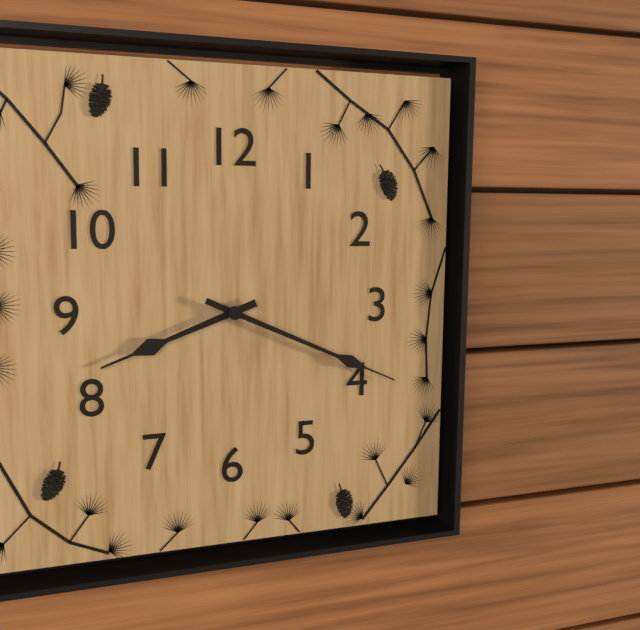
8:19
